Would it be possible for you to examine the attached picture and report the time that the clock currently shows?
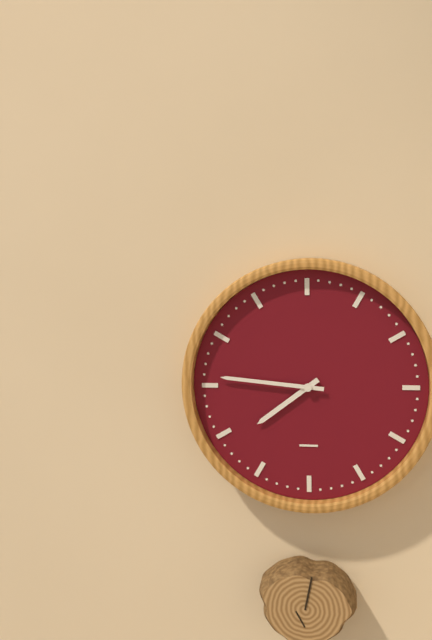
7:46
